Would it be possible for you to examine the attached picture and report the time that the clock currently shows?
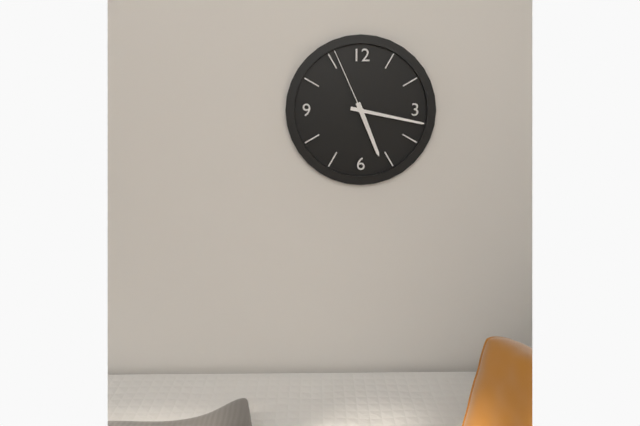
5:17:56
